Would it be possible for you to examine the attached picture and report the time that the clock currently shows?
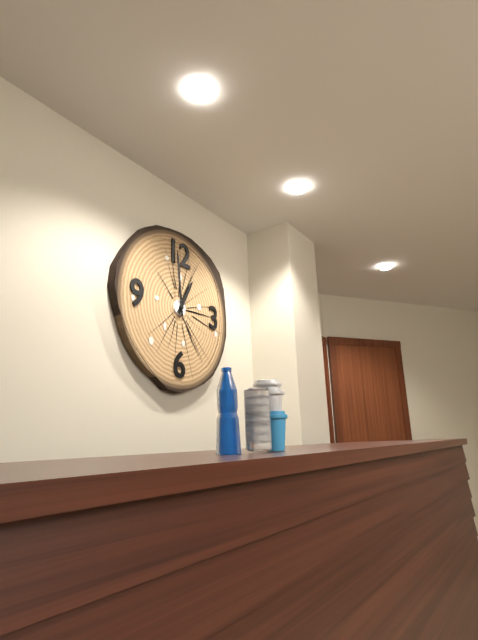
12:59
